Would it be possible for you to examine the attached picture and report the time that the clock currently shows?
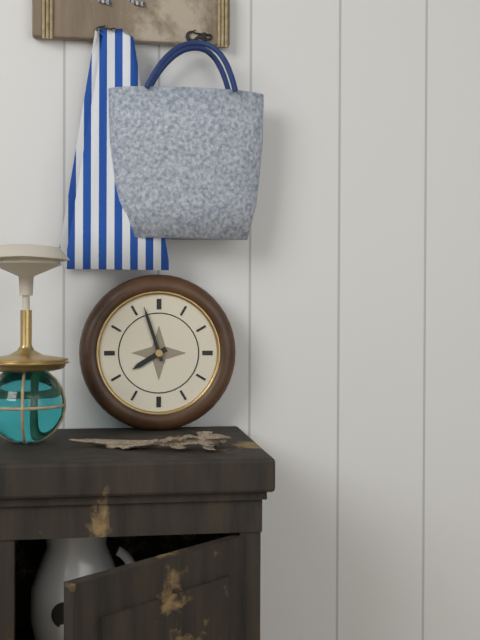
7:57
